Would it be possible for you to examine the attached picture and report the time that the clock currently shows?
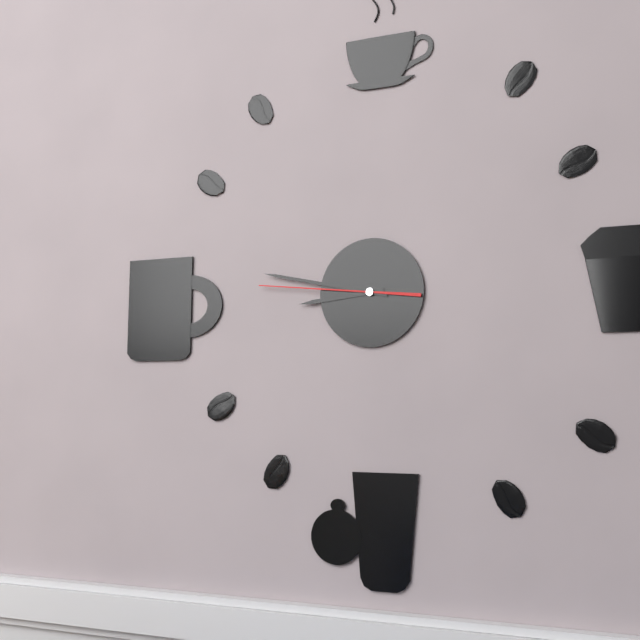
8:47:46
